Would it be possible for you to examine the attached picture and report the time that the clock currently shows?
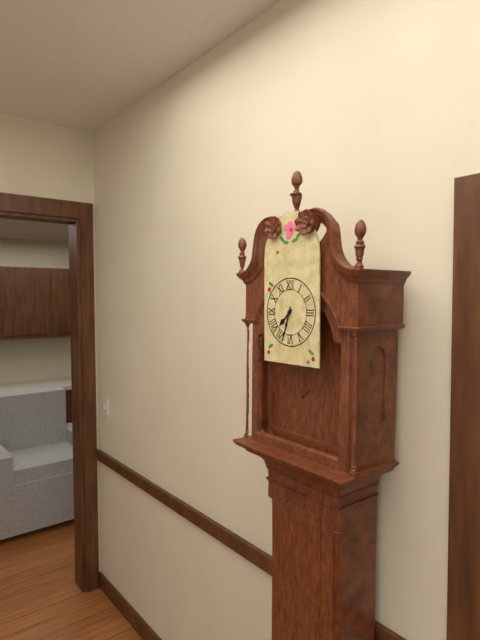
7:33
